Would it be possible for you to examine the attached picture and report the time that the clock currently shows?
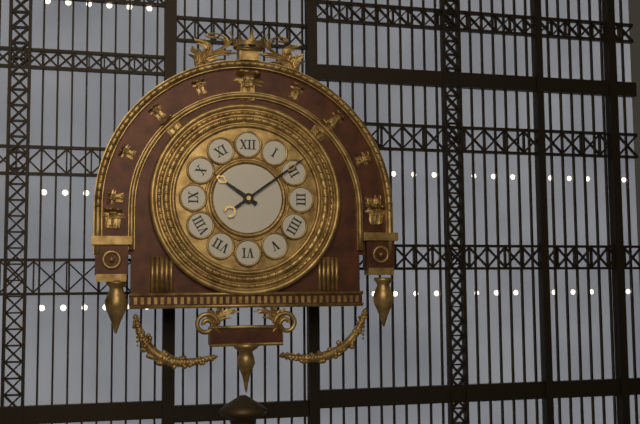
10:09
